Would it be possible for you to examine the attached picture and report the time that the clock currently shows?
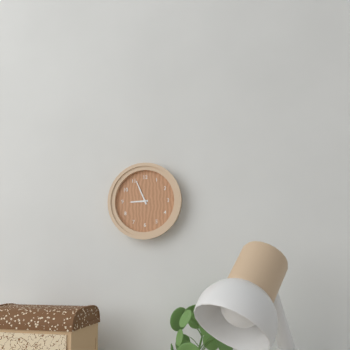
8:56
